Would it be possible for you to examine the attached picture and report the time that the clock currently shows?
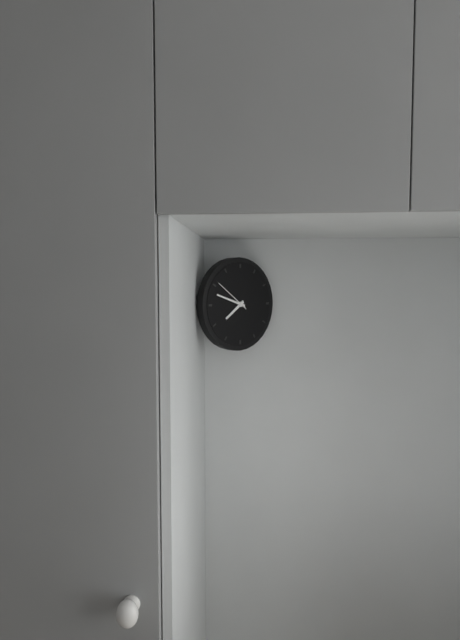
7:48
